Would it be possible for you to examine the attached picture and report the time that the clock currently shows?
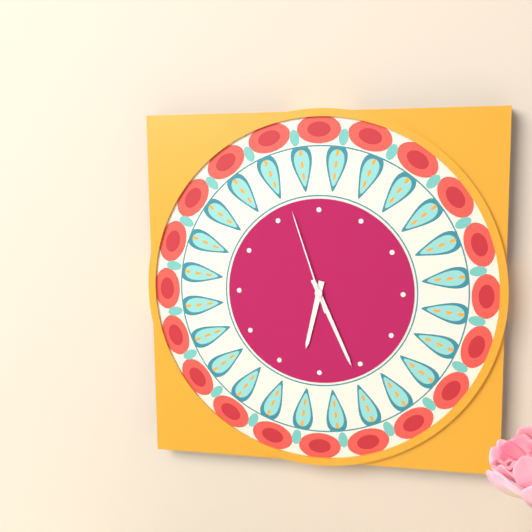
6:26:57
